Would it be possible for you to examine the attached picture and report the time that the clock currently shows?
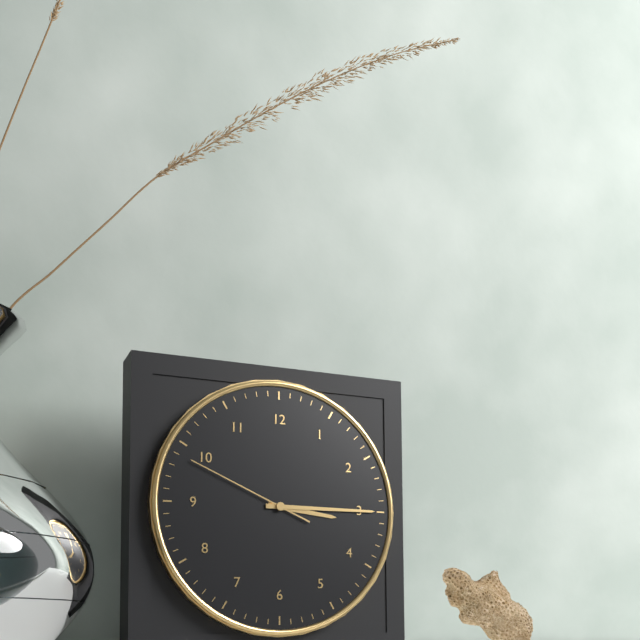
3:15:49
